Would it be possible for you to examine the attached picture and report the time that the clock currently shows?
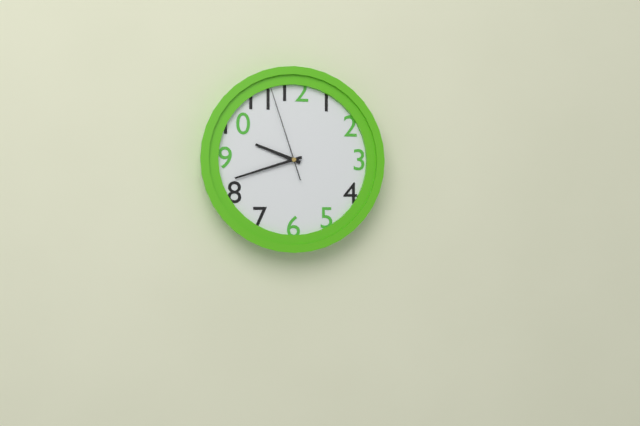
9:42:57
